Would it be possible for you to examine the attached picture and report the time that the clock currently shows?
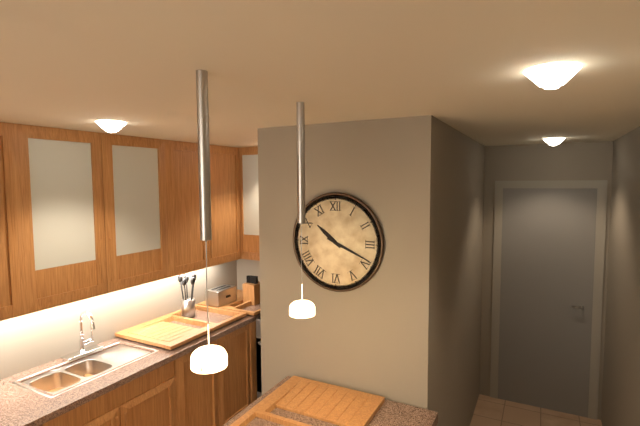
10:19
